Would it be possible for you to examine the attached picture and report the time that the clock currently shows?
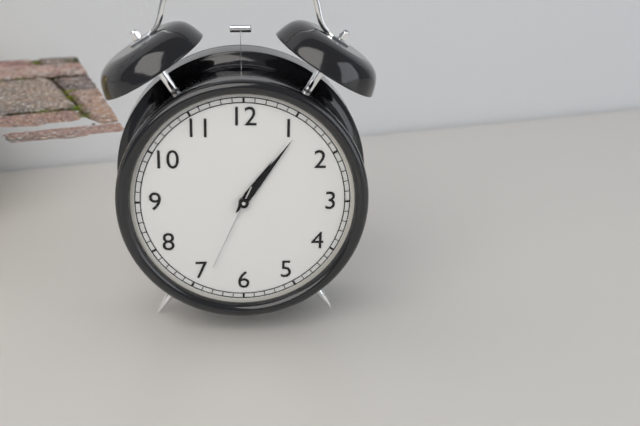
1:06:34
